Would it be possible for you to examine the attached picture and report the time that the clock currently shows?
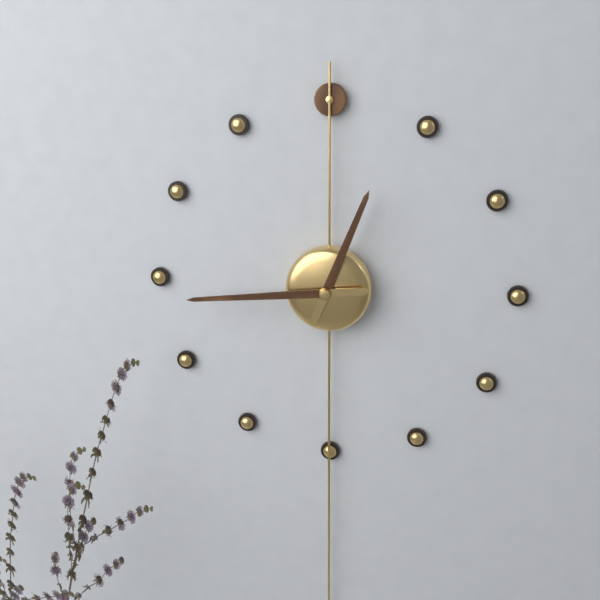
12:44
